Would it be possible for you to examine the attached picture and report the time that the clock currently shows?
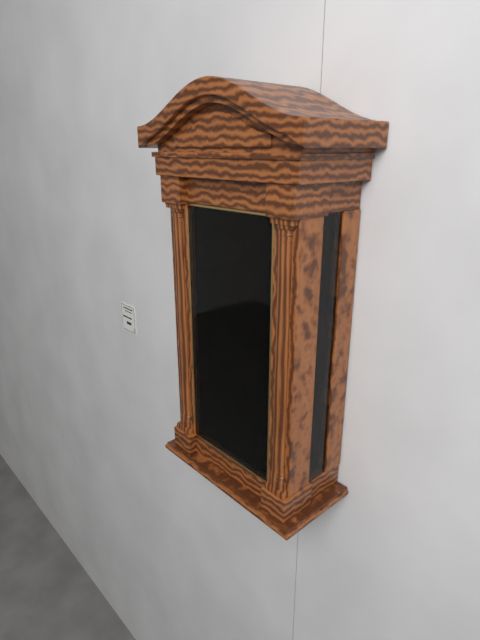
12:03
